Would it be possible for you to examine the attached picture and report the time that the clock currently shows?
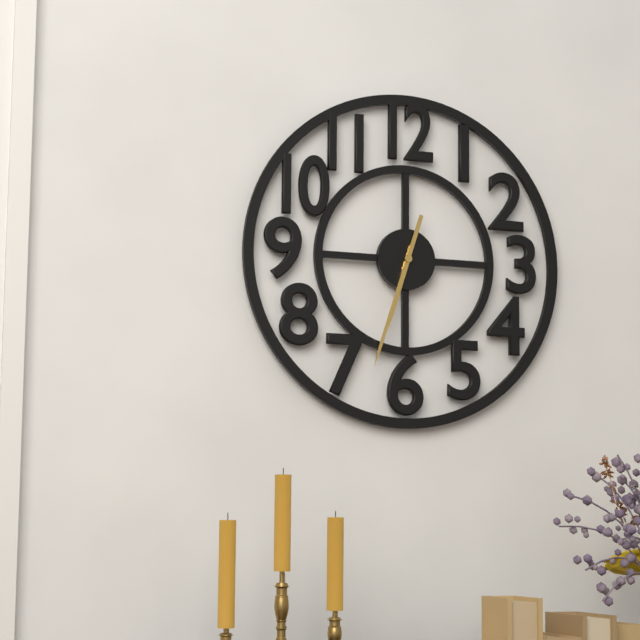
6:33
